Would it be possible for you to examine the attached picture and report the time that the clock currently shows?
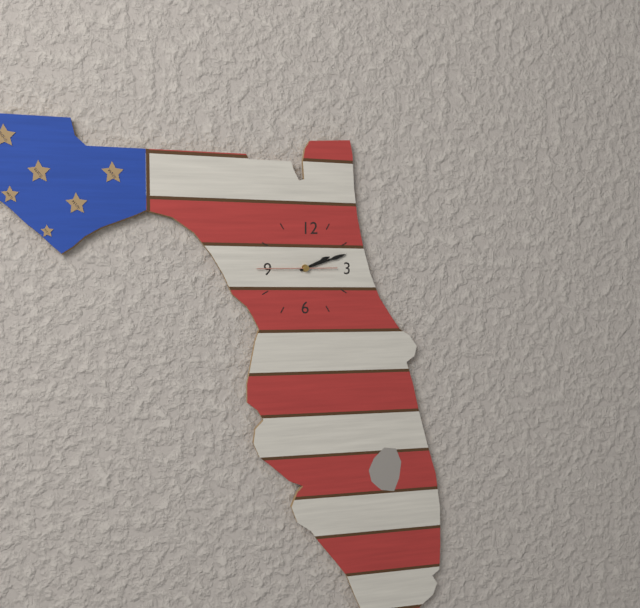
2:12:45
